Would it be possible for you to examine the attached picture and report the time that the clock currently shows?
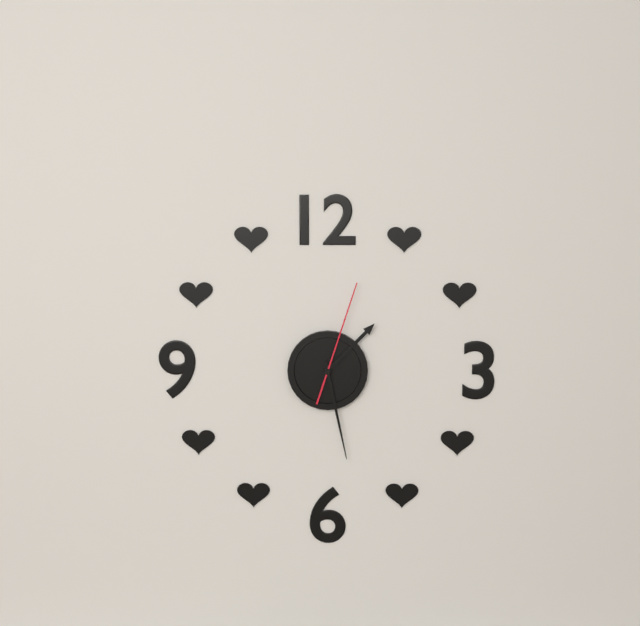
1:28:03
